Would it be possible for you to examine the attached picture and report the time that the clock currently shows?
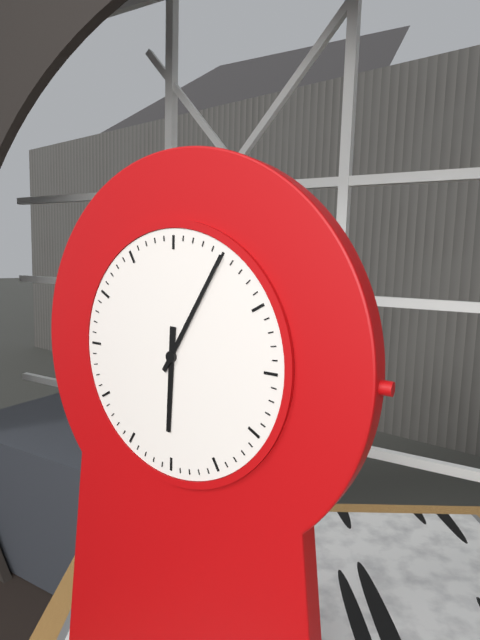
6:05
